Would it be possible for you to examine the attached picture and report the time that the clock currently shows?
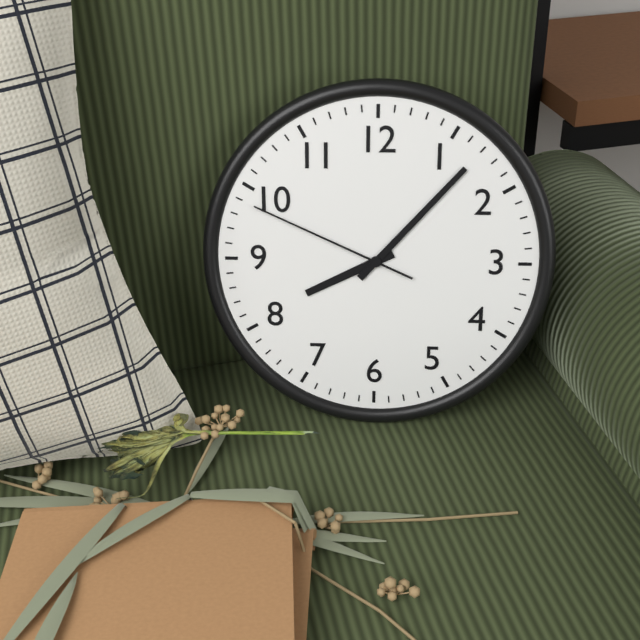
8:07:49
